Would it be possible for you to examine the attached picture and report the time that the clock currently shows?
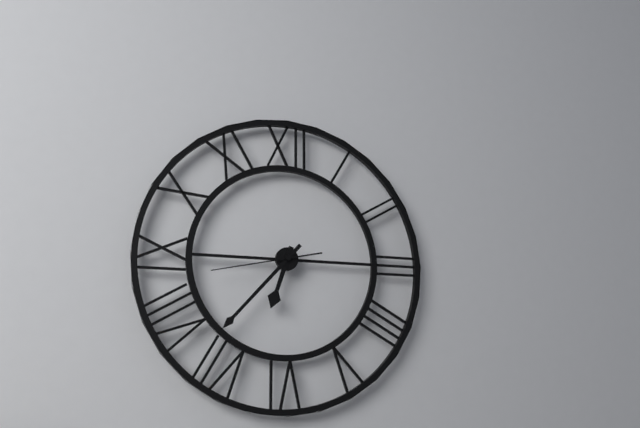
6:37:43
